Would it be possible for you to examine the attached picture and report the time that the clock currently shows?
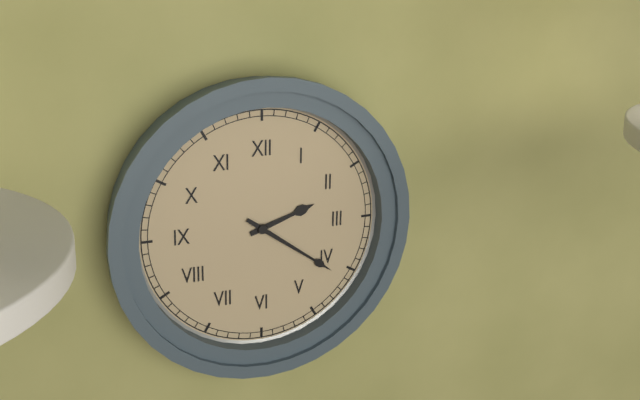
2:21
